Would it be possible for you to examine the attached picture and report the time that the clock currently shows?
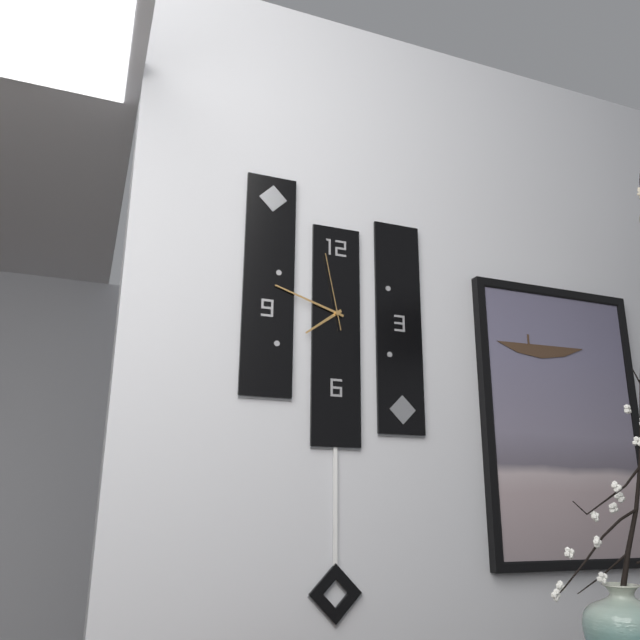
7:48:58
